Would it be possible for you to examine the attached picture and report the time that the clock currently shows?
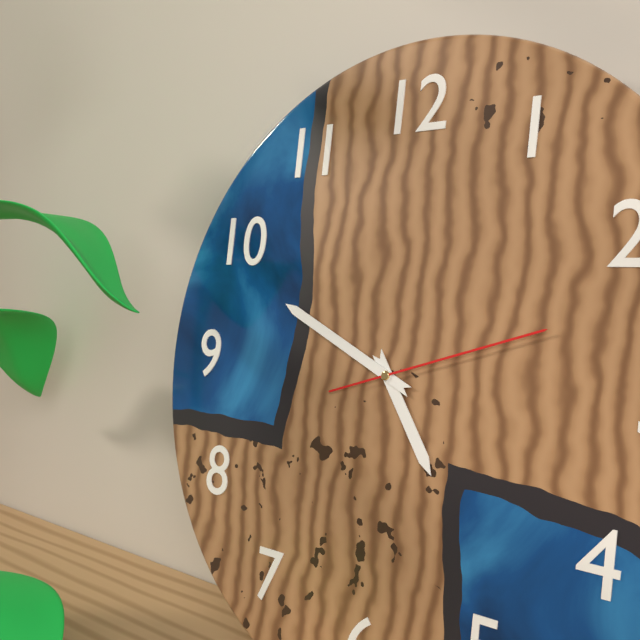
4:49:12
